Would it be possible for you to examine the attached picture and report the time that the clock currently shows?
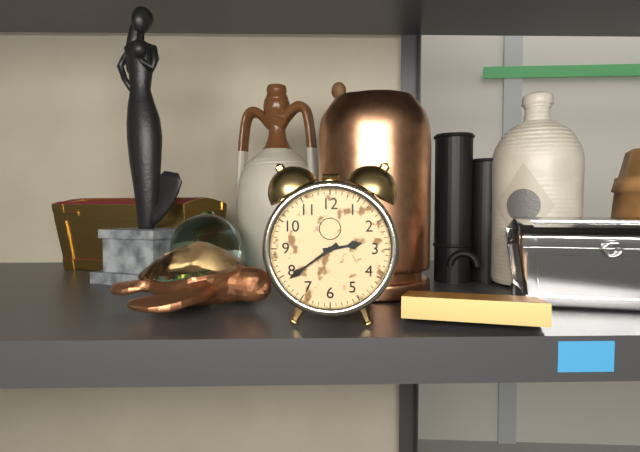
2:39
